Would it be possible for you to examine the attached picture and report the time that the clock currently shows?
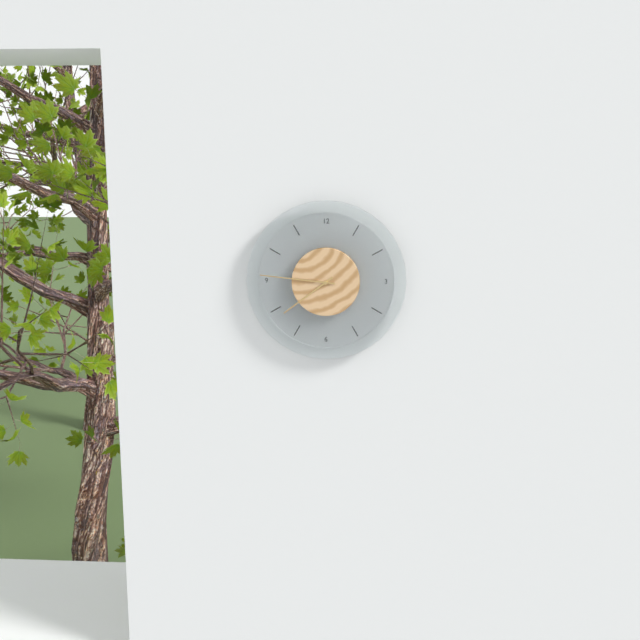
7:46
